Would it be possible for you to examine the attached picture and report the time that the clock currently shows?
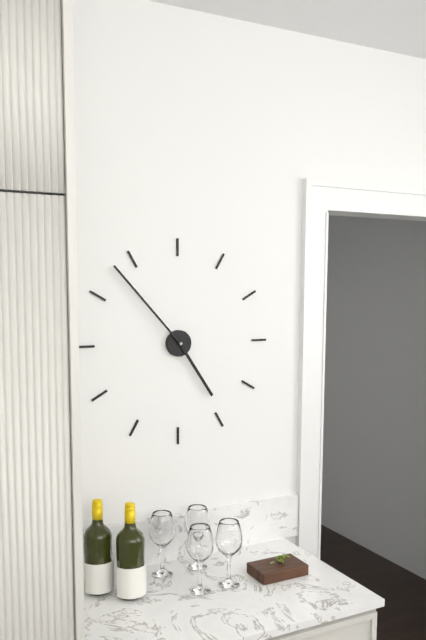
4:53
